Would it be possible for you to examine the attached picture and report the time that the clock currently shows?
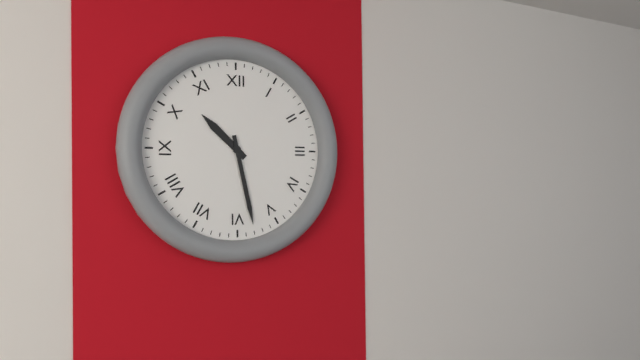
10:28
